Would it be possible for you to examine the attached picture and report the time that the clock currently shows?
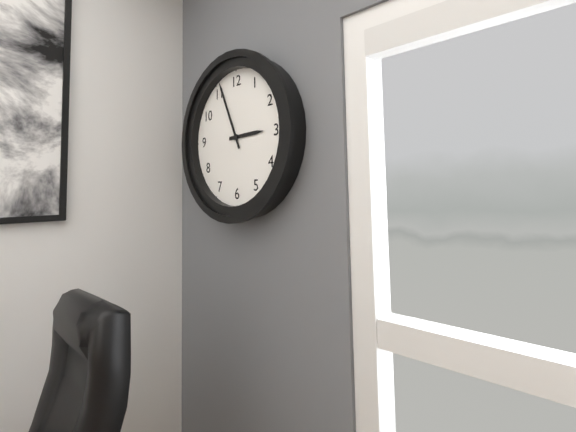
2:56
